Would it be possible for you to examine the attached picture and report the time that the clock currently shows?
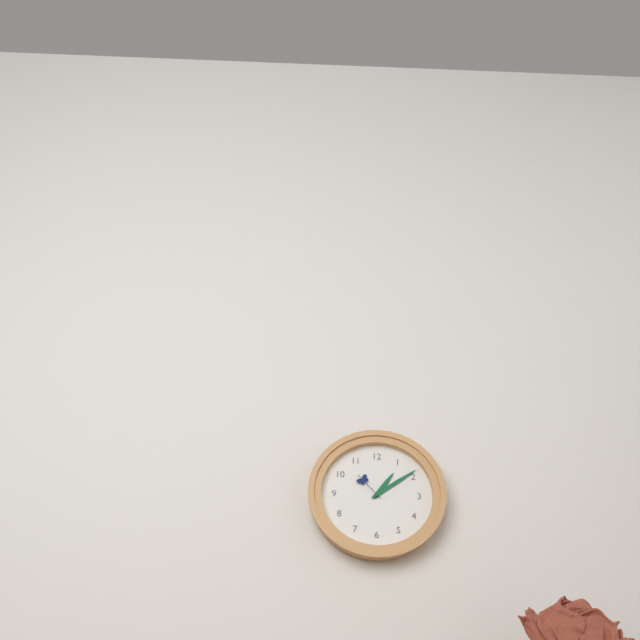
1:09
